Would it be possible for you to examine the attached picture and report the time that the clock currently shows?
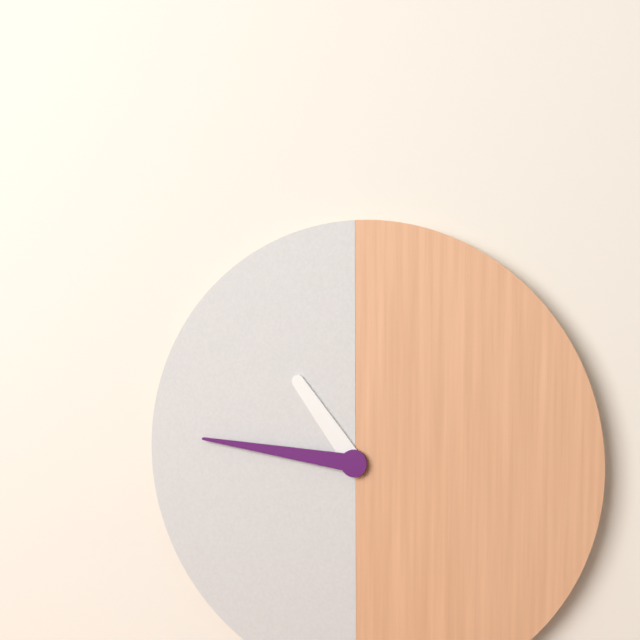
10:46
